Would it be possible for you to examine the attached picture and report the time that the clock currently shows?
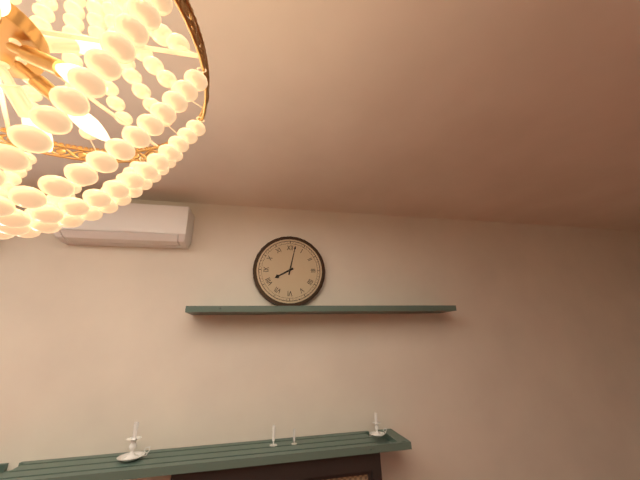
8:02
